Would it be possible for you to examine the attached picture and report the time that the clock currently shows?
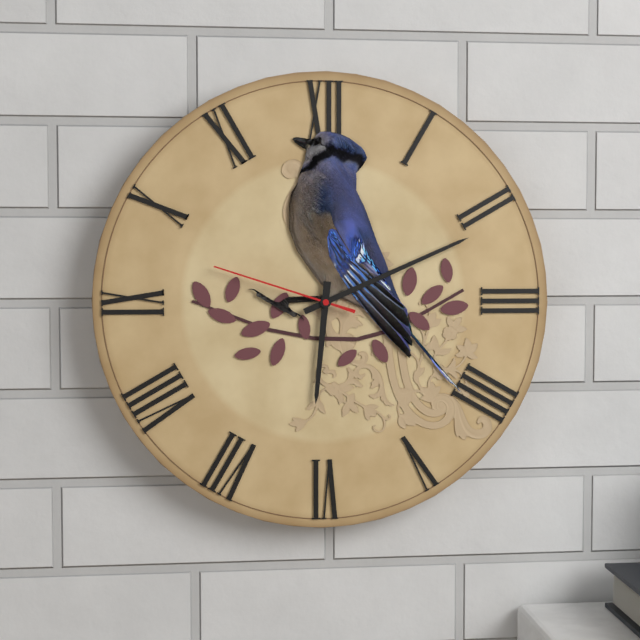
6:11:48
